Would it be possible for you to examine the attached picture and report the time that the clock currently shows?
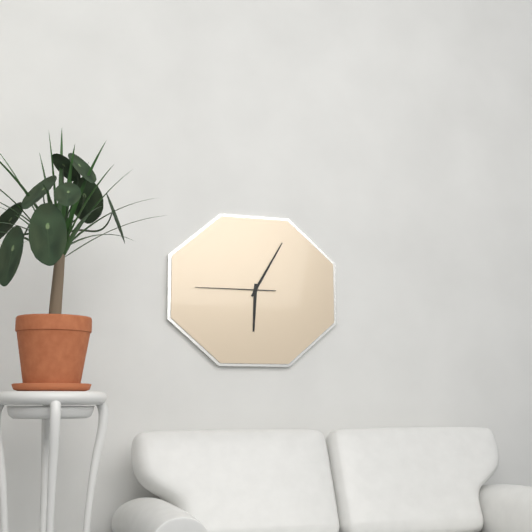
6:05:45
